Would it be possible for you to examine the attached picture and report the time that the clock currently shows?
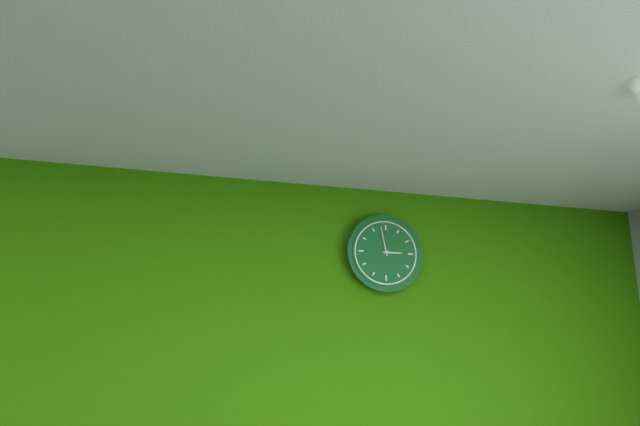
2:58
